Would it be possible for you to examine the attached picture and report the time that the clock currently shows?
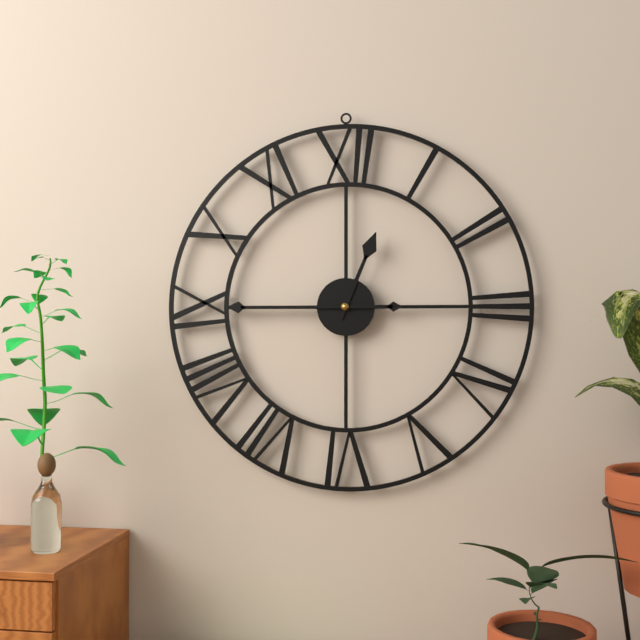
12:45
